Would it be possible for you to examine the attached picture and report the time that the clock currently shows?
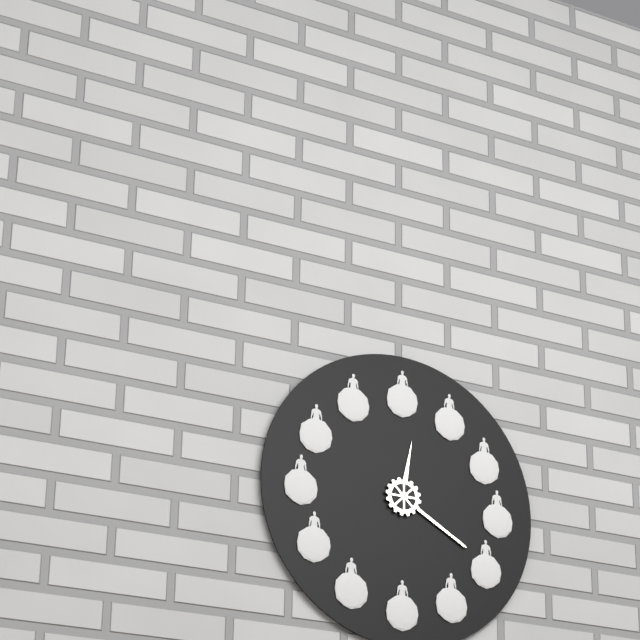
12:20
